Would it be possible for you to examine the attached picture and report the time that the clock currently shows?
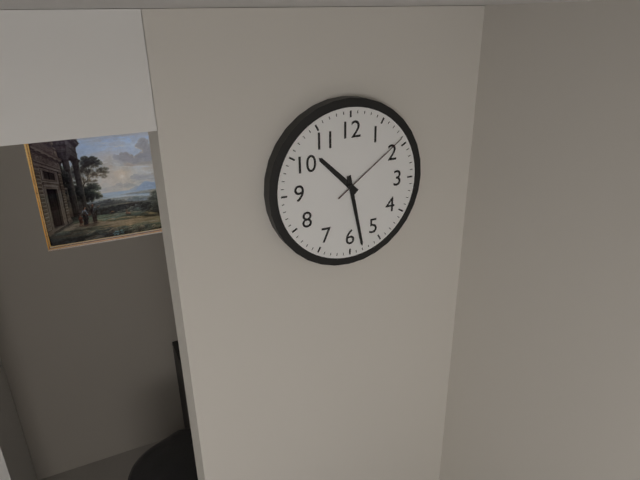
10:28:09
